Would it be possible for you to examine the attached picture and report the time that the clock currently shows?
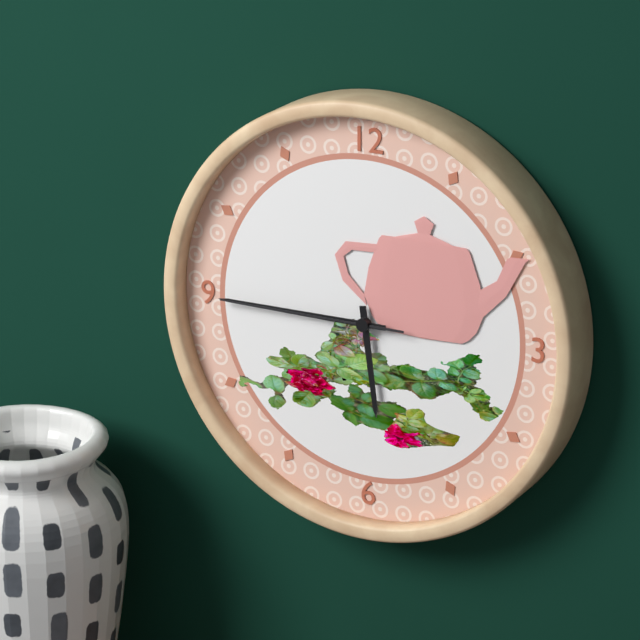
5:45:45
